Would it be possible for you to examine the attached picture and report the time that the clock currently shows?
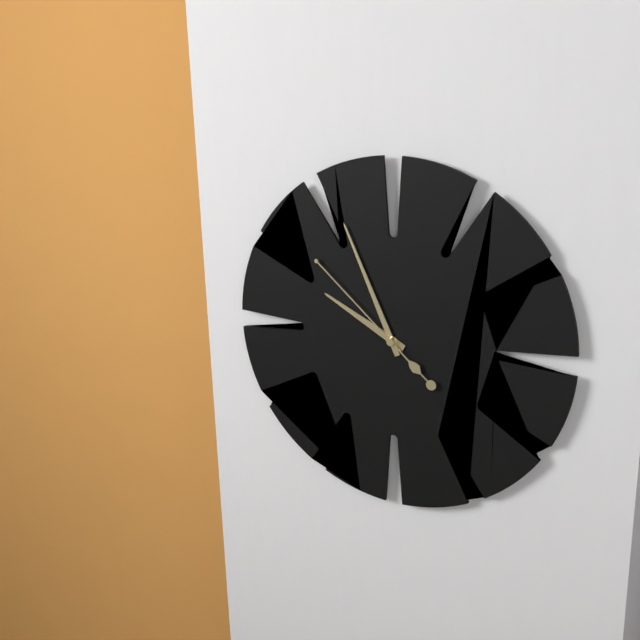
9:56:52
